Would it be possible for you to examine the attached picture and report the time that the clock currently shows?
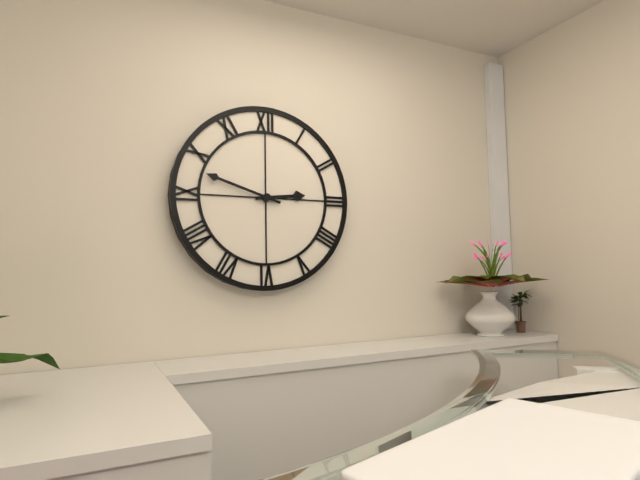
2:48
